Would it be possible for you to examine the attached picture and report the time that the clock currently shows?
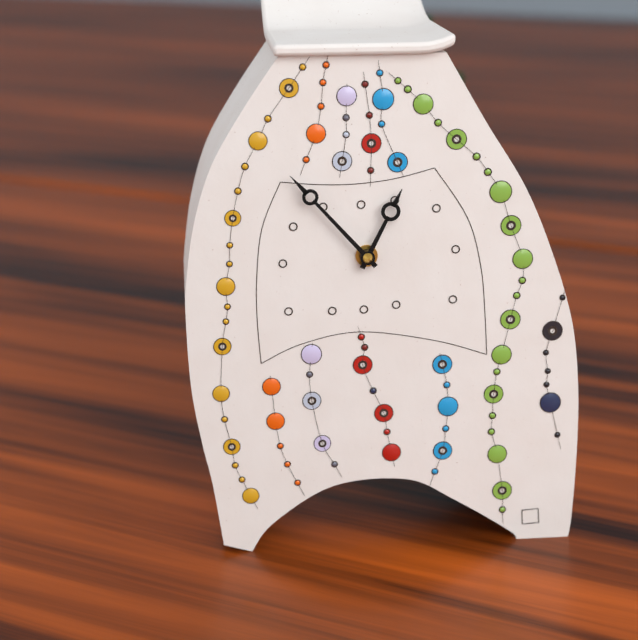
12:53
